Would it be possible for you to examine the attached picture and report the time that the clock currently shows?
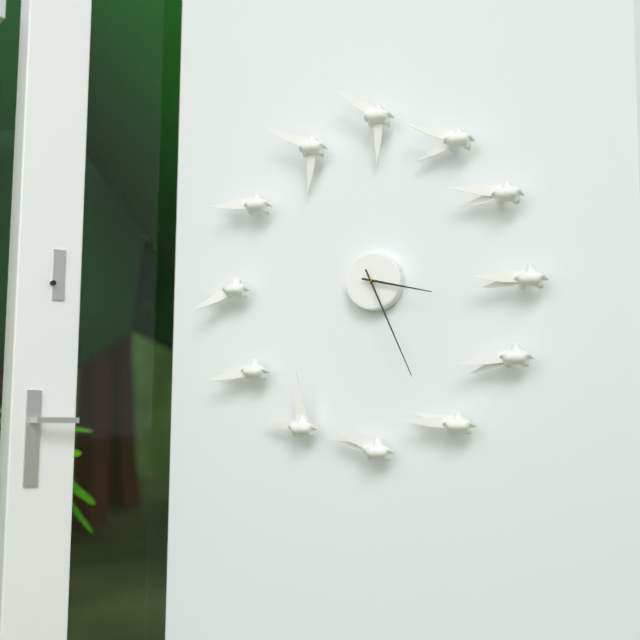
3:26
